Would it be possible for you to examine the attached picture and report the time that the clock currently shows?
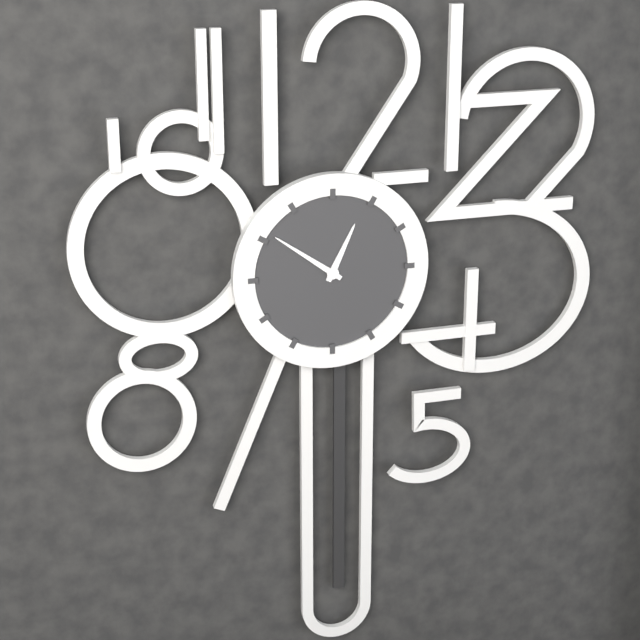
12:51
